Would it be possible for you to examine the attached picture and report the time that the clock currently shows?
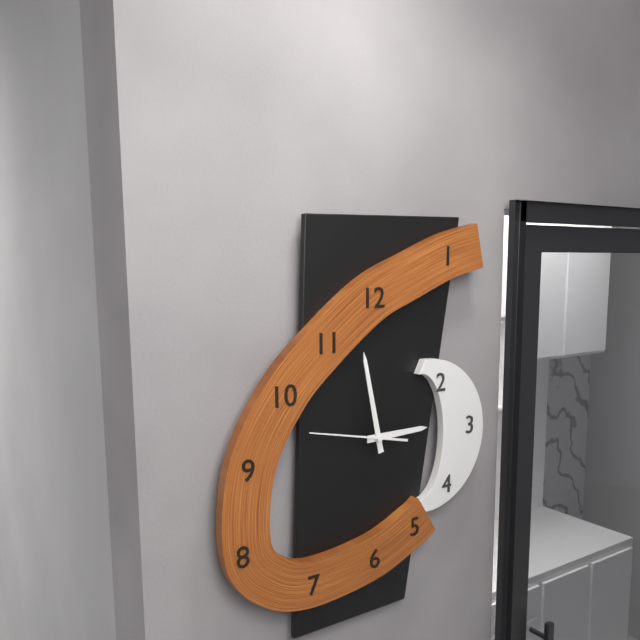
2:58:47
